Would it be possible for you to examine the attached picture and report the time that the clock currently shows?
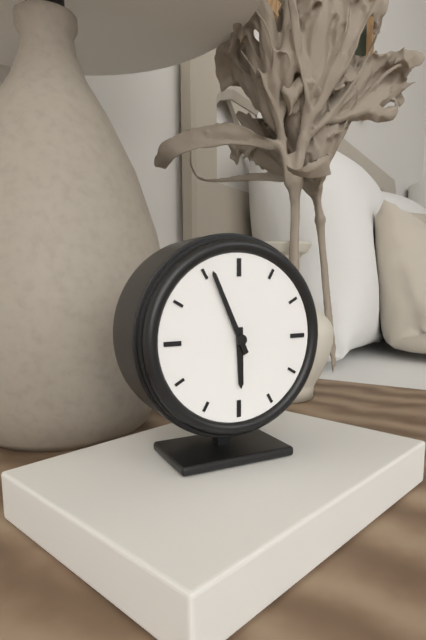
5:56
